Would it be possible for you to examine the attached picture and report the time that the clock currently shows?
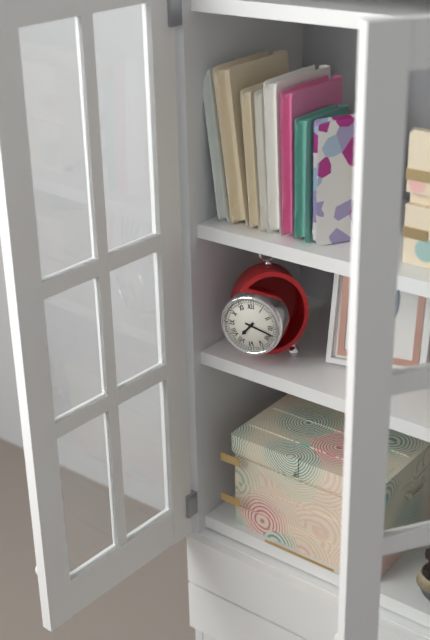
7:18
